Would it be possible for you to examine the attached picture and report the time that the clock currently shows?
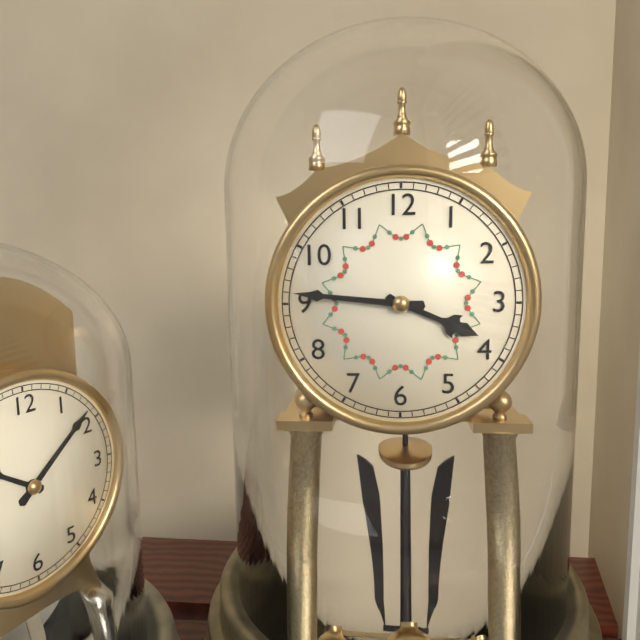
3:46
